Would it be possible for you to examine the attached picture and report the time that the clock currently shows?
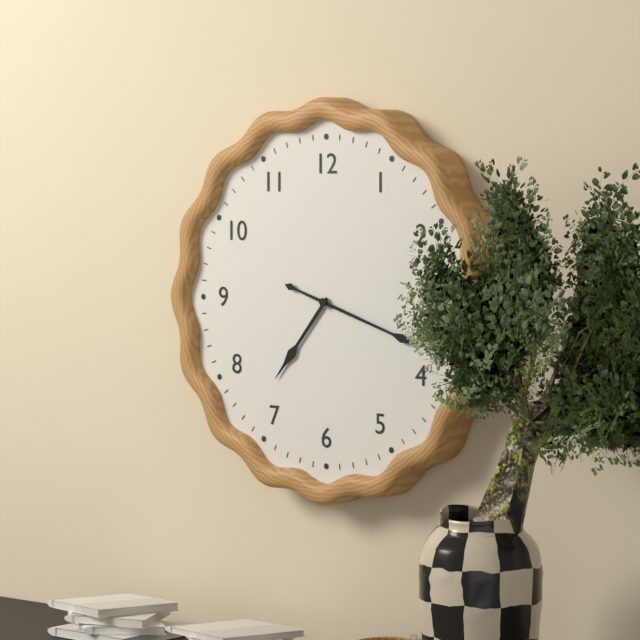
7:18
